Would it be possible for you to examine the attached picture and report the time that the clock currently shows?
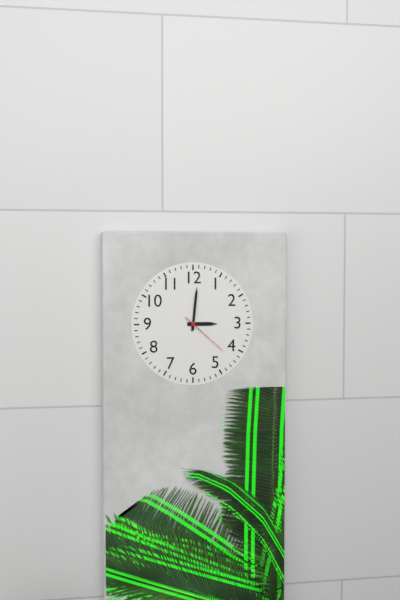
3:01:22
